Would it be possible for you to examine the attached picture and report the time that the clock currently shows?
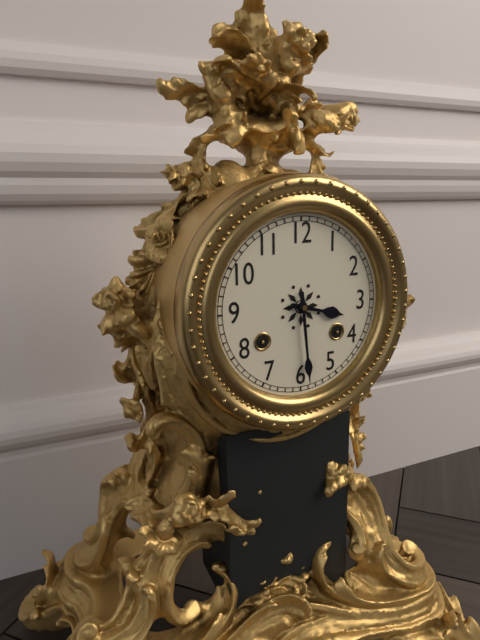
3:29
